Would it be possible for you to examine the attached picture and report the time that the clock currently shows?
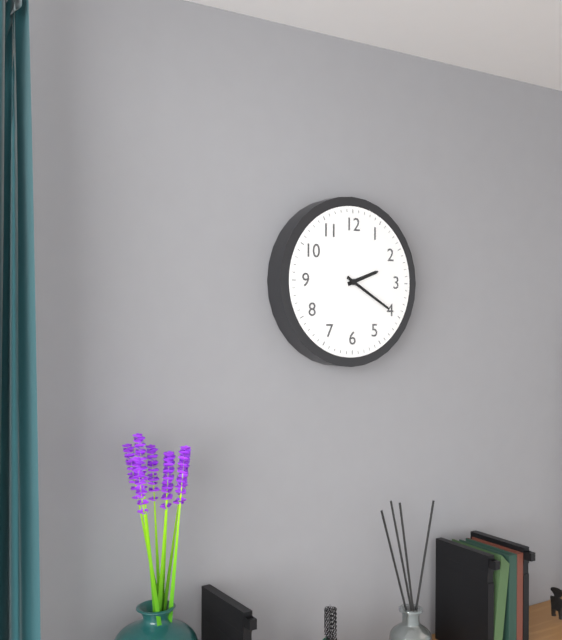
2:20
